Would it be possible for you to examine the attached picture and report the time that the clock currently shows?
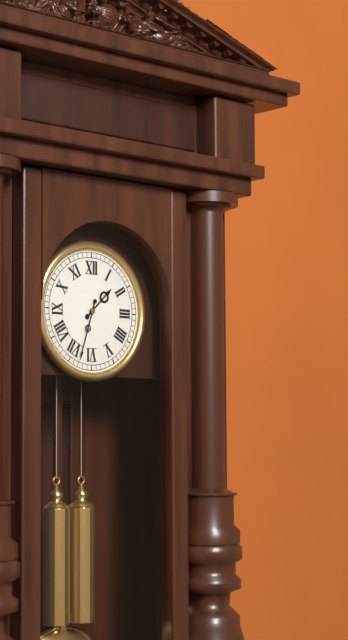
1:33
